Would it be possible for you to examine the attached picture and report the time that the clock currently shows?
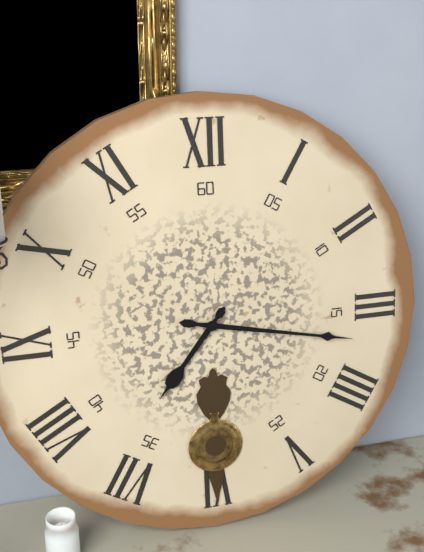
7:17
